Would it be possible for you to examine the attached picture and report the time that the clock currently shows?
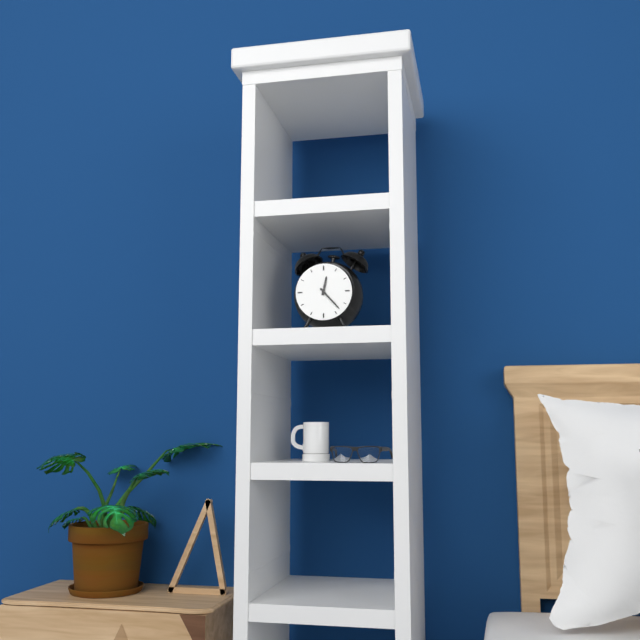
12:23
